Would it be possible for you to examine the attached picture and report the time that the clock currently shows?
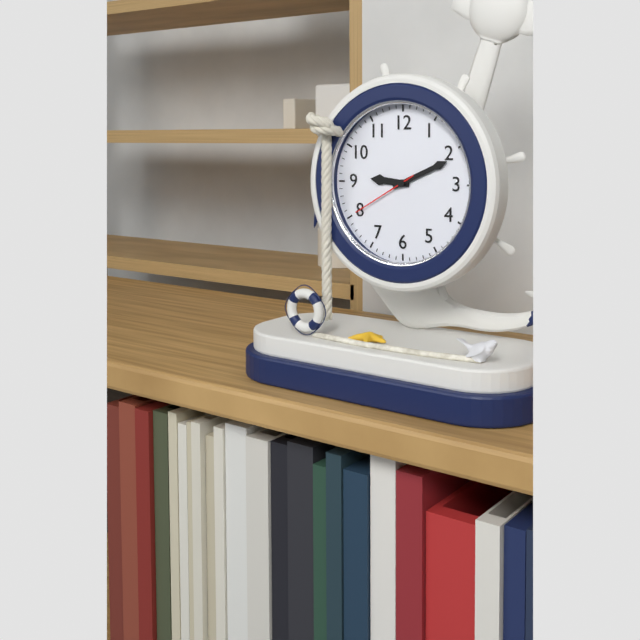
9:11:40
